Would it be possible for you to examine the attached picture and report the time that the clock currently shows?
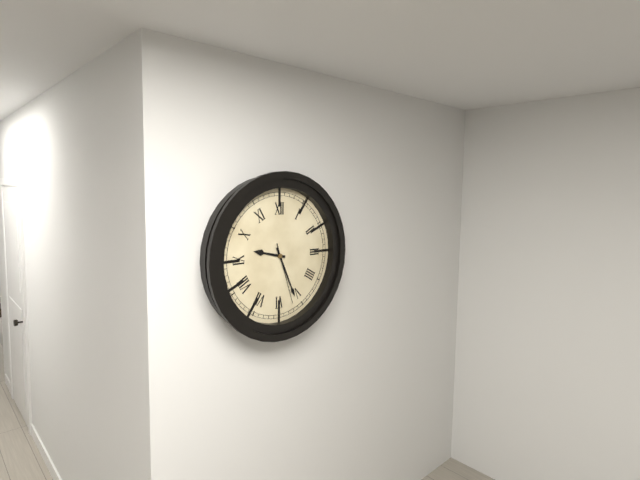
9:26:27
